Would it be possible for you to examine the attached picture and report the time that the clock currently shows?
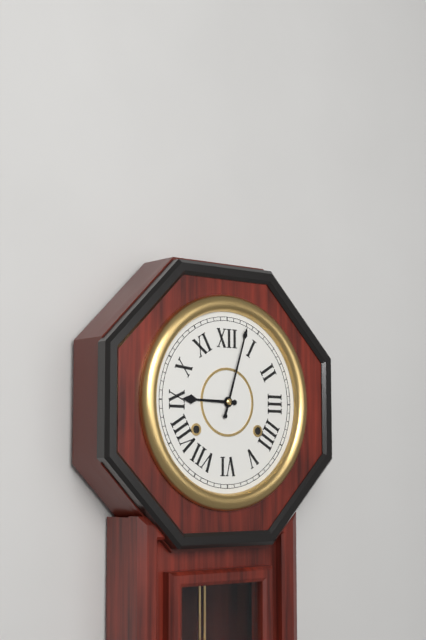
9:03
